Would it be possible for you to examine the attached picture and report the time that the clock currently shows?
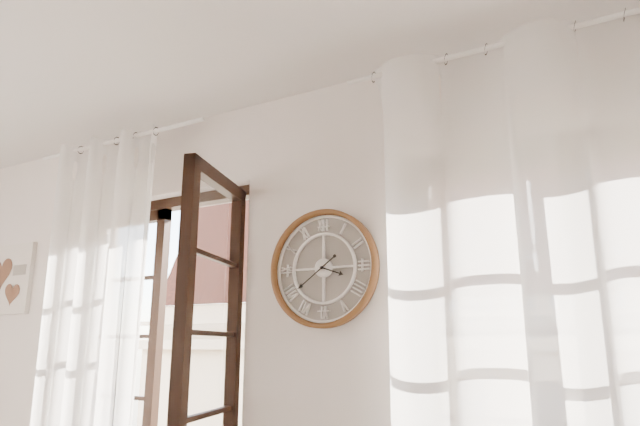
3:39
